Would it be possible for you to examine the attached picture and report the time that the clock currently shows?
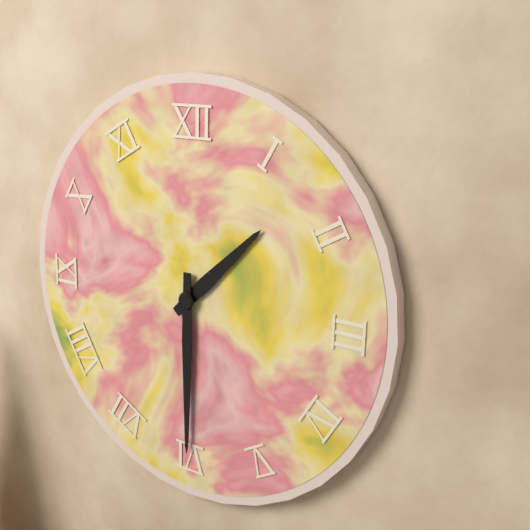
1:30
